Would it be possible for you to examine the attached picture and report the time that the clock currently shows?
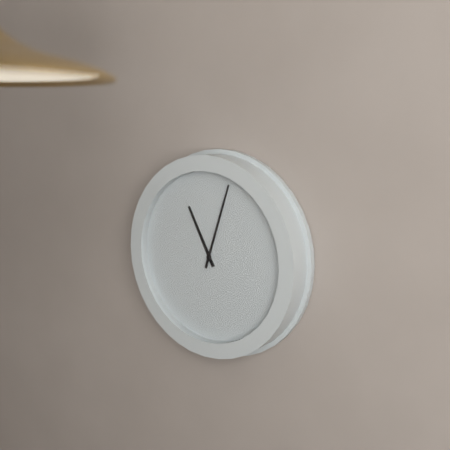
11:03
